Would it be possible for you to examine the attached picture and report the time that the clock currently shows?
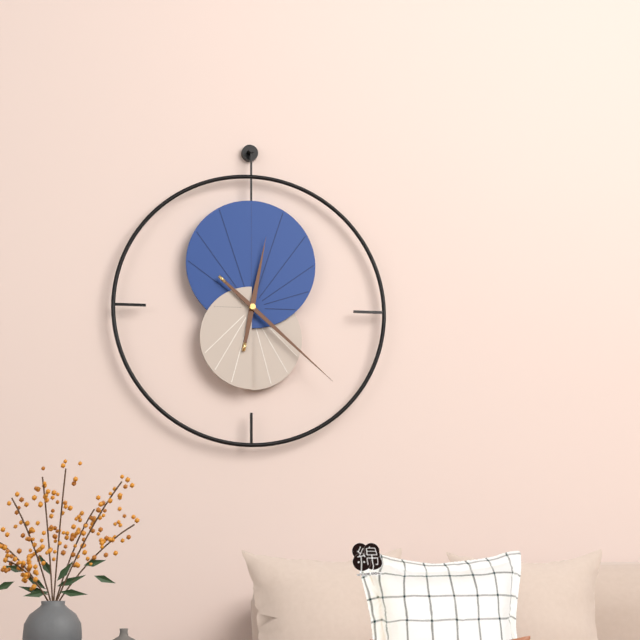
12:22
